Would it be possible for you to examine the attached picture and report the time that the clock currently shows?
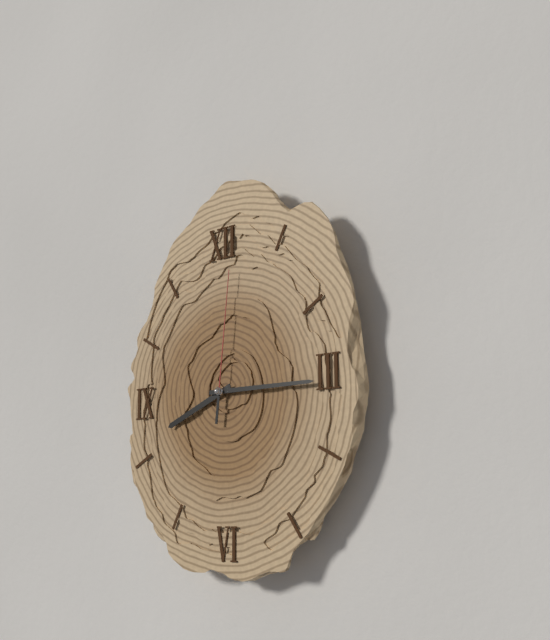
8:15:01
